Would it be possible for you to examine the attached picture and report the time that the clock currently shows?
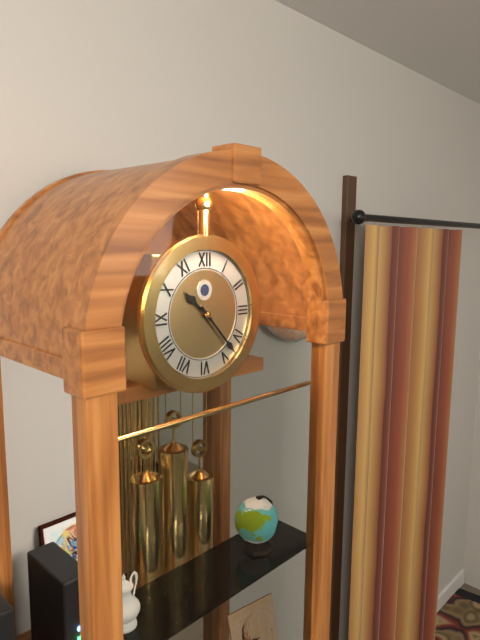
10:23
